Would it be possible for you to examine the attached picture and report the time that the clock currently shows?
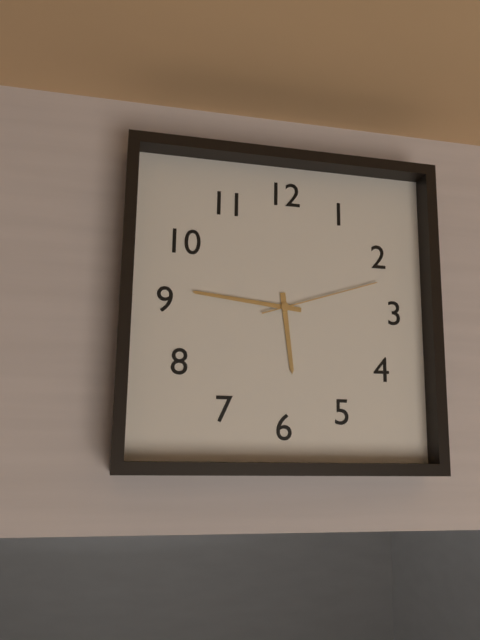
5:46:12
